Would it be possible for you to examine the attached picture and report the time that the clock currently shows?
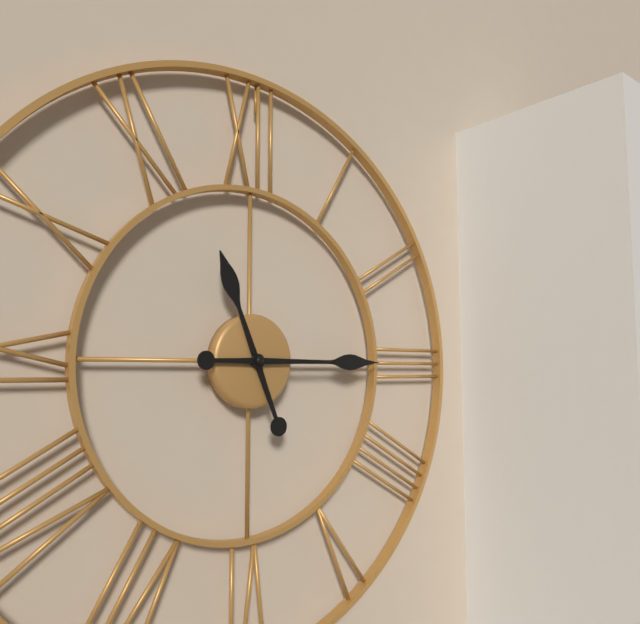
11:15
